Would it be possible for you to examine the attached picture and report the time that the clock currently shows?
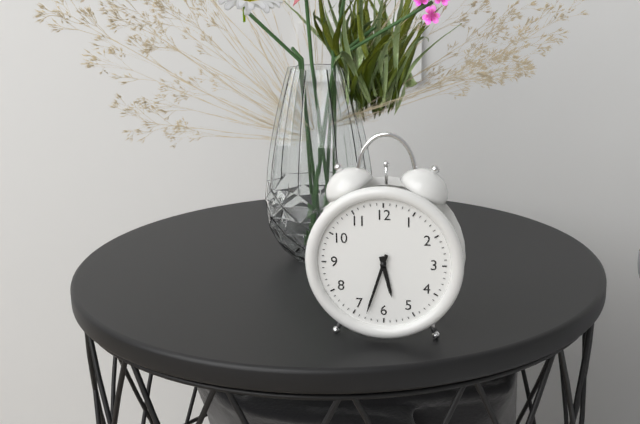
5:33
